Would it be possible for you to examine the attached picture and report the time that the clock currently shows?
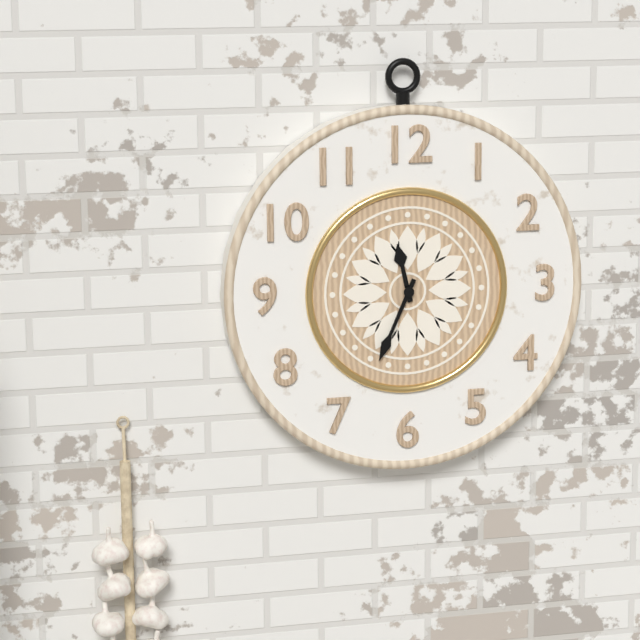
11:34
